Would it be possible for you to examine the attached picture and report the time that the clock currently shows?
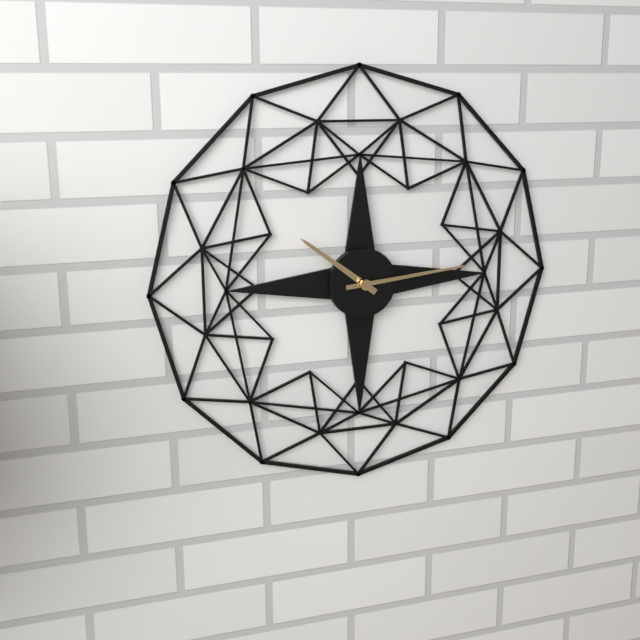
10:14
